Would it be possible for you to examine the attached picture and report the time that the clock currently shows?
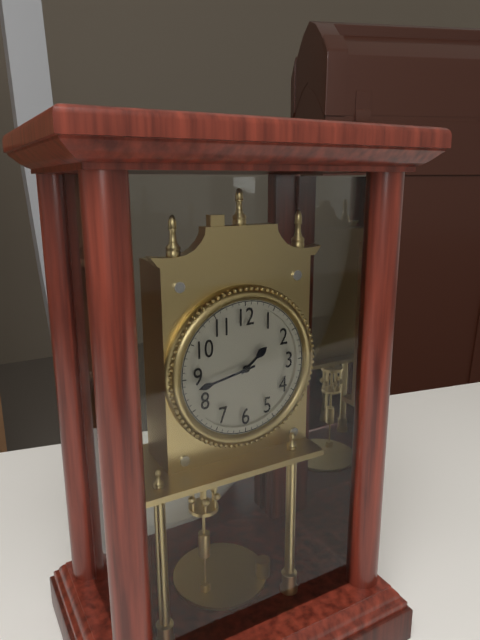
1:43
